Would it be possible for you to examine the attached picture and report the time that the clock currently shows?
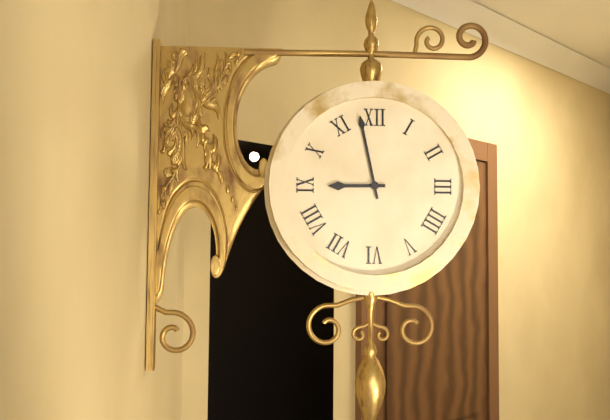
8:58
